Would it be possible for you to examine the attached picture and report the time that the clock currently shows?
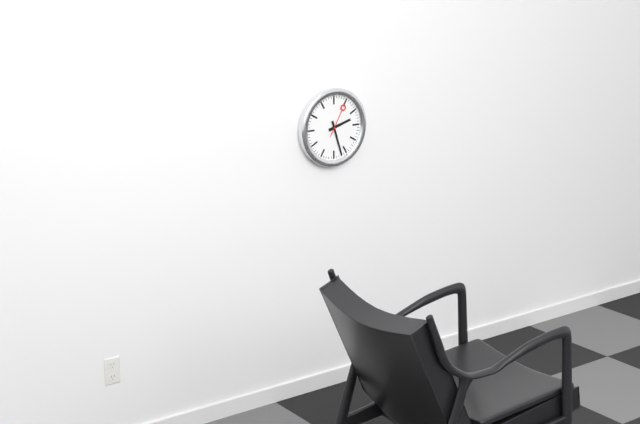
2:27
